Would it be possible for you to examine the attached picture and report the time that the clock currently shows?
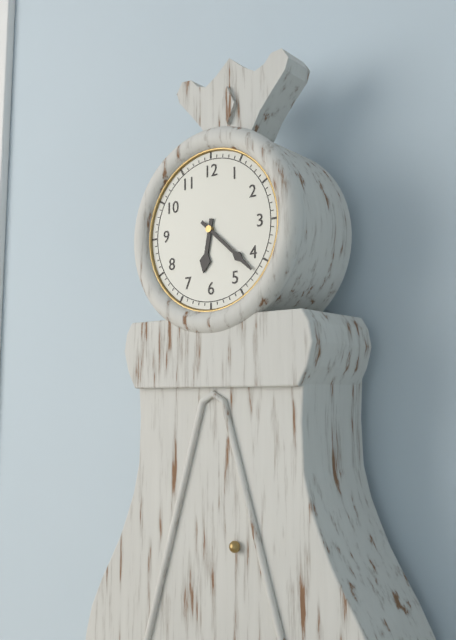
6:22
